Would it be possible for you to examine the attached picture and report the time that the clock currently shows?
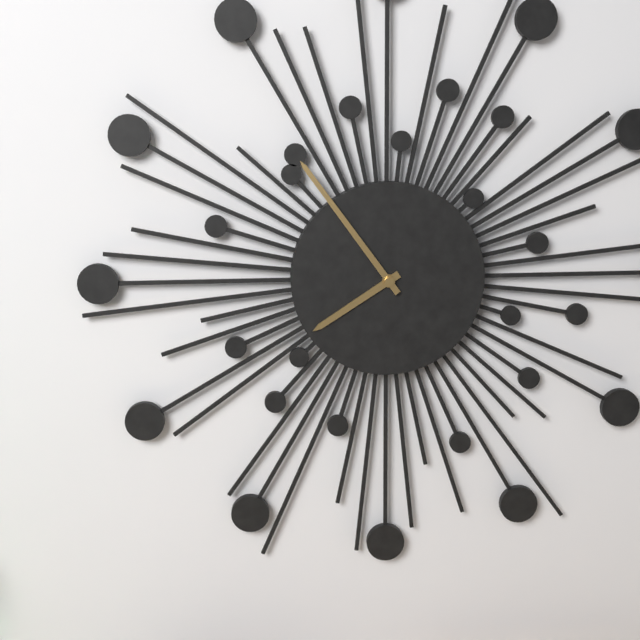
7:54
